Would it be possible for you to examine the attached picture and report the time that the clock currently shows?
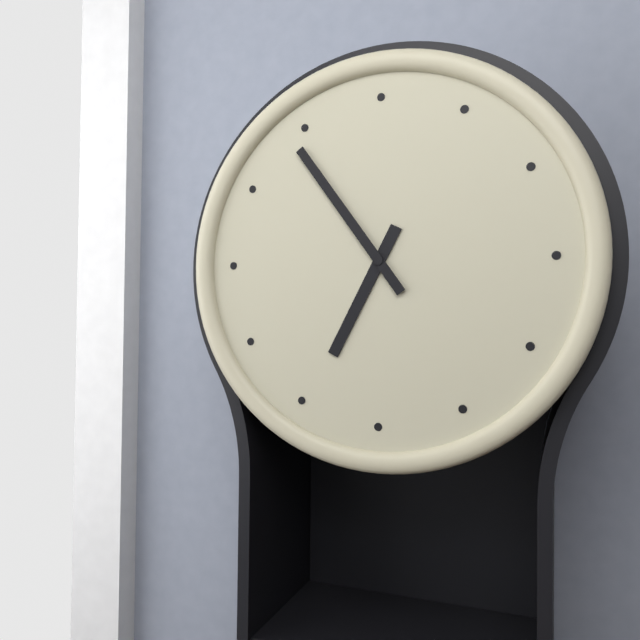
6:54
